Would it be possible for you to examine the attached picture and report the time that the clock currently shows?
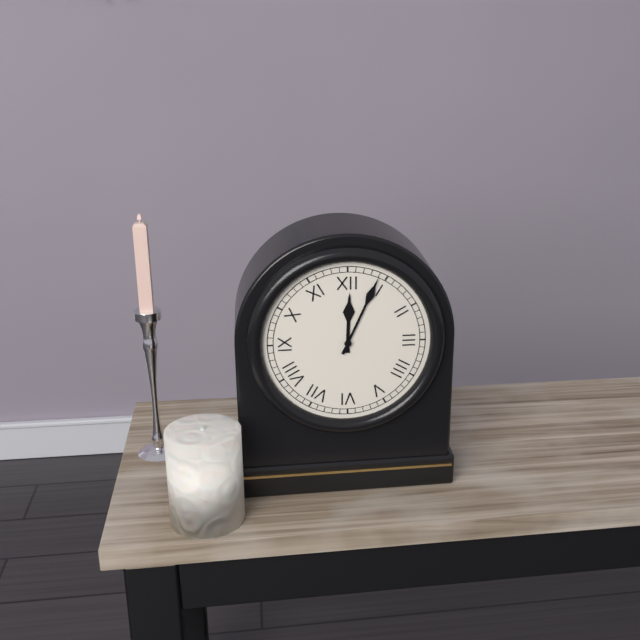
12:04
